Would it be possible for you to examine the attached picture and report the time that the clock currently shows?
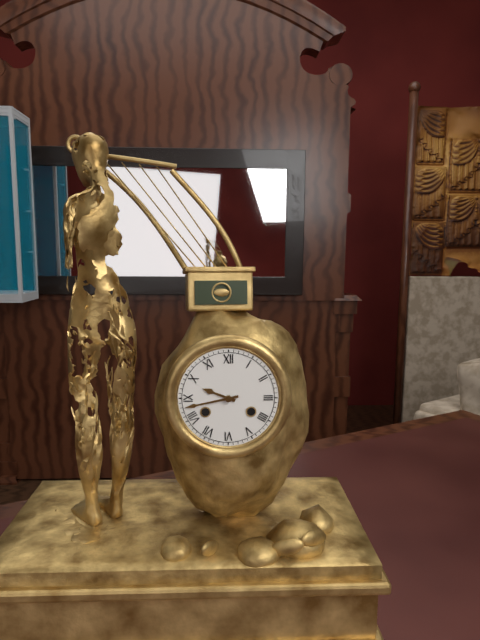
9:43
